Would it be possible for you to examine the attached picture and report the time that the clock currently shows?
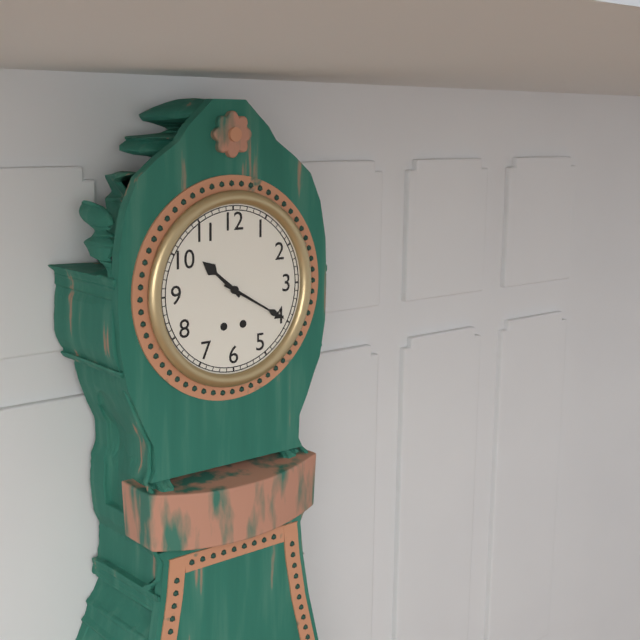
10:20
